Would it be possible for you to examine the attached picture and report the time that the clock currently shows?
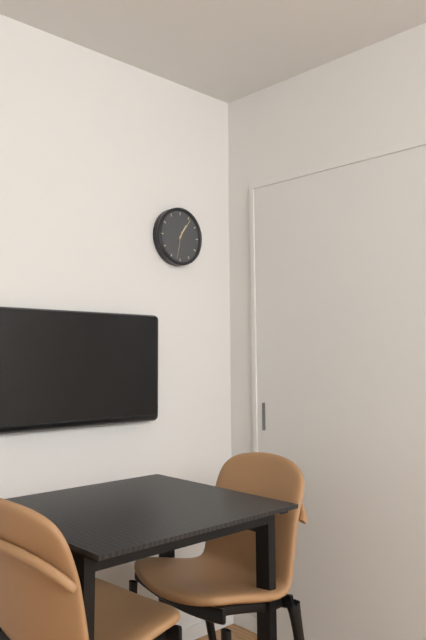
1:06
